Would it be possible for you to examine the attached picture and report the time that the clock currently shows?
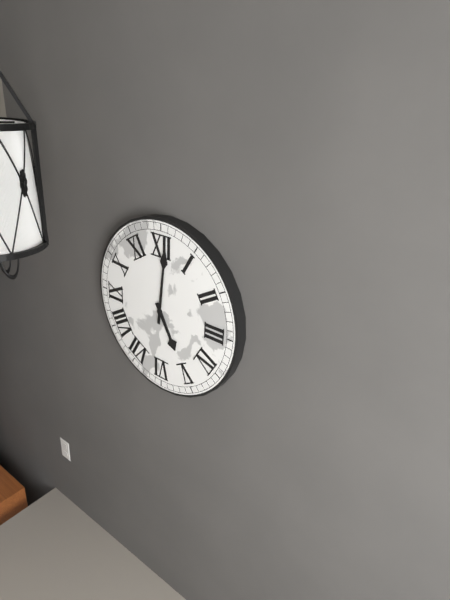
5:01
